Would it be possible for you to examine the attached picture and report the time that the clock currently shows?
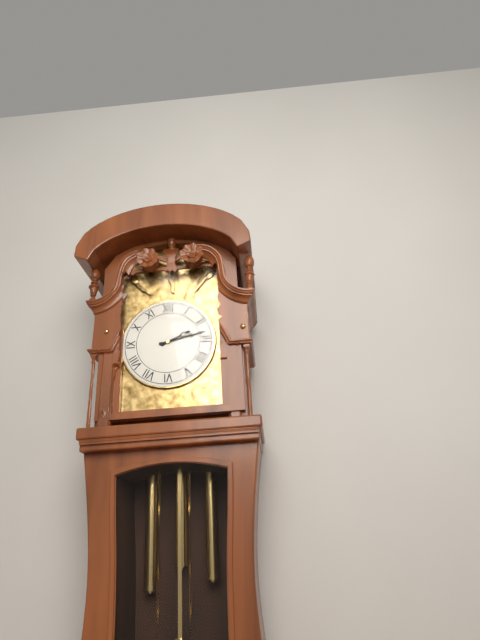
2:13
